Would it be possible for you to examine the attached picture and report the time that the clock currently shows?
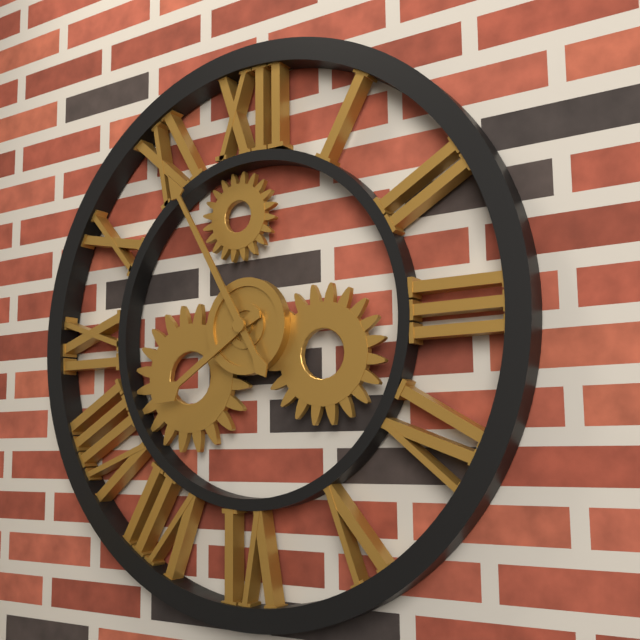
7:55
